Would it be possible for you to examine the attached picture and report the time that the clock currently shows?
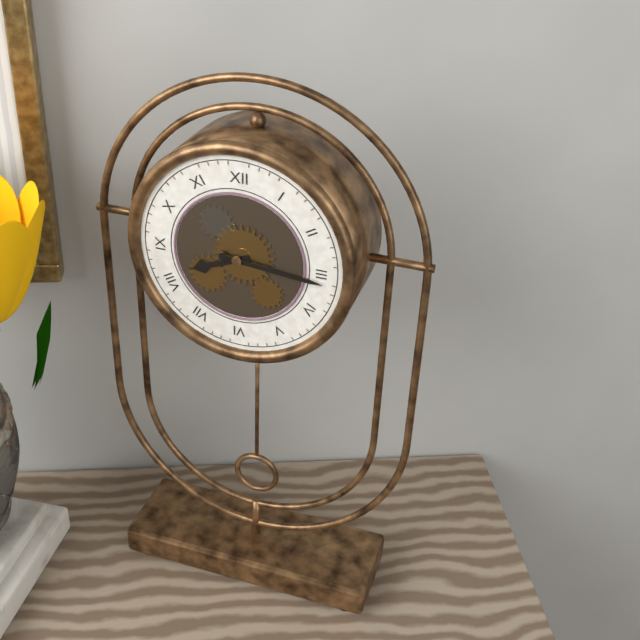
8:16
